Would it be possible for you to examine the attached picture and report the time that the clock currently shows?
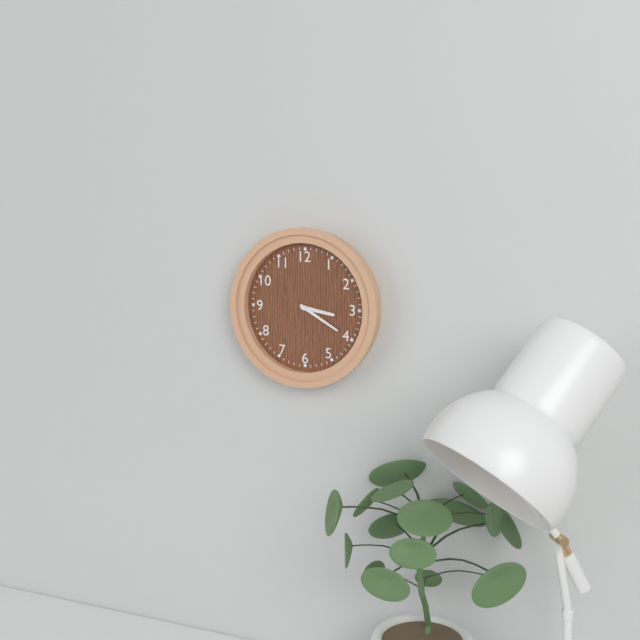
3:20
